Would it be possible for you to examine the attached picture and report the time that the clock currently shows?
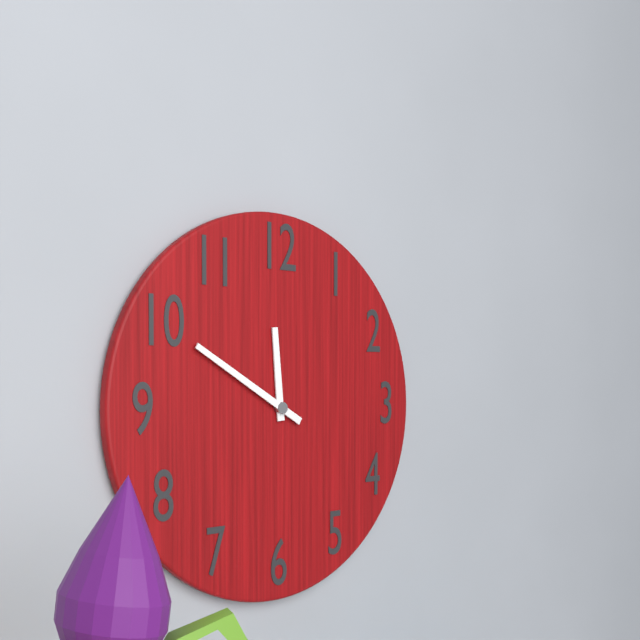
11:50
